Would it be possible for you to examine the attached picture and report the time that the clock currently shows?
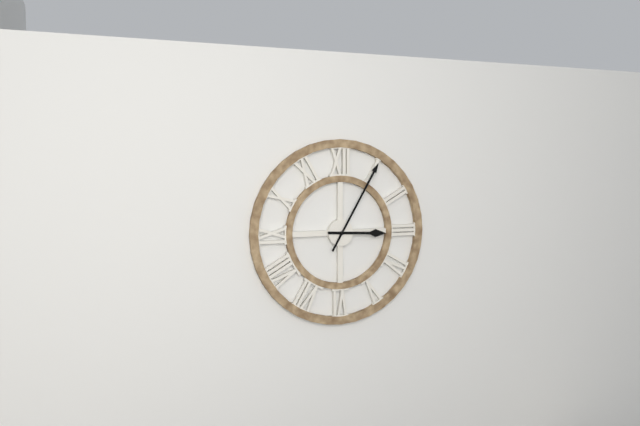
3:05
